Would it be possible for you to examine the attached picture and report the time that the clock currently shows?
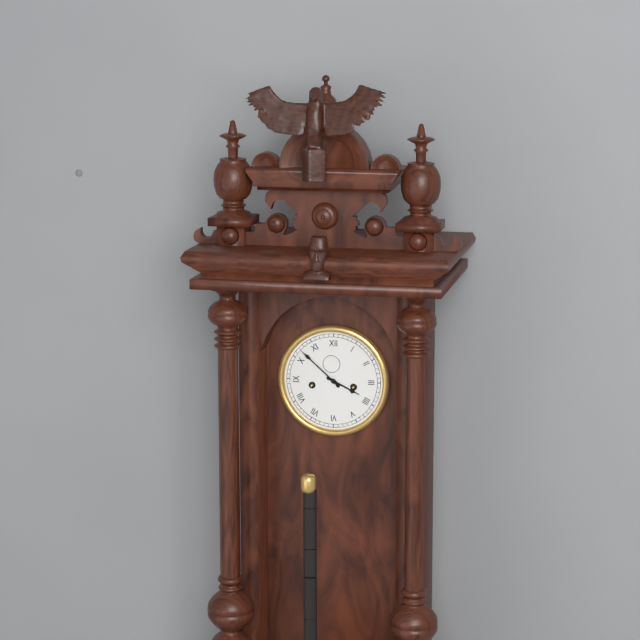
3:52
